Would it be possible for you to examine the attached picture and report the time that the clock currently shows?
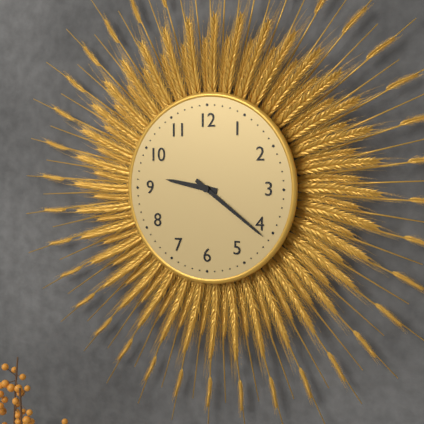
9:21
